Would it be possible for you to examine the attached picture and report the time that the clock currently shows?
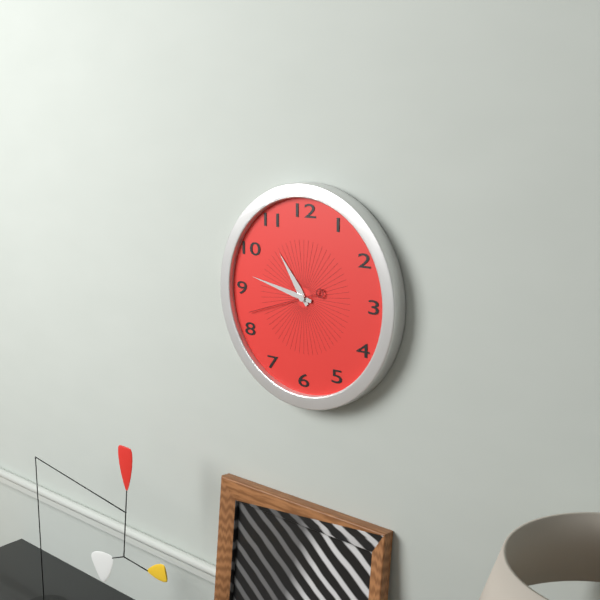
10:47:42
